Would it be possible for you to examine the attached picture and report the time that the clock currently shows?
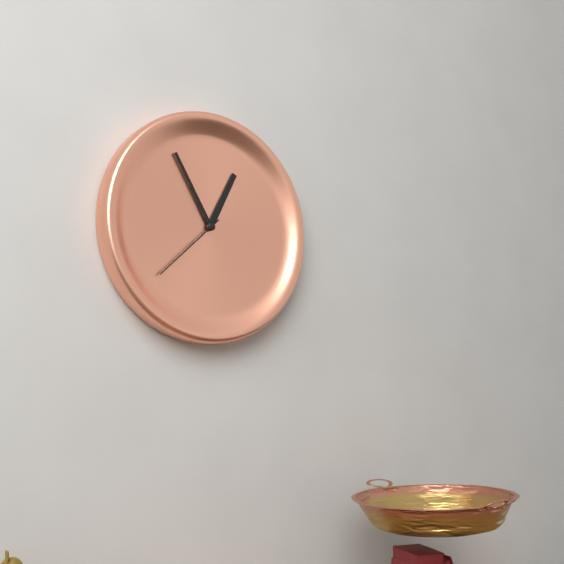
12:55:38
